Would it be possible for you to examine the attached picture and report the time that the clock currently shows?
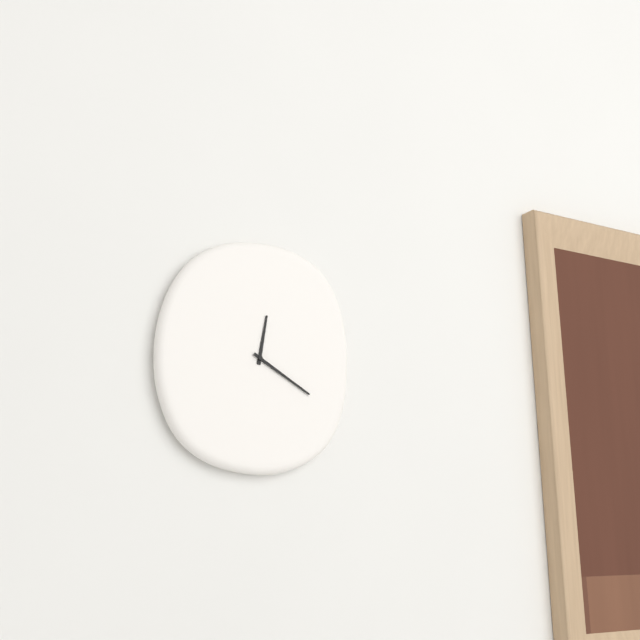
12:20
